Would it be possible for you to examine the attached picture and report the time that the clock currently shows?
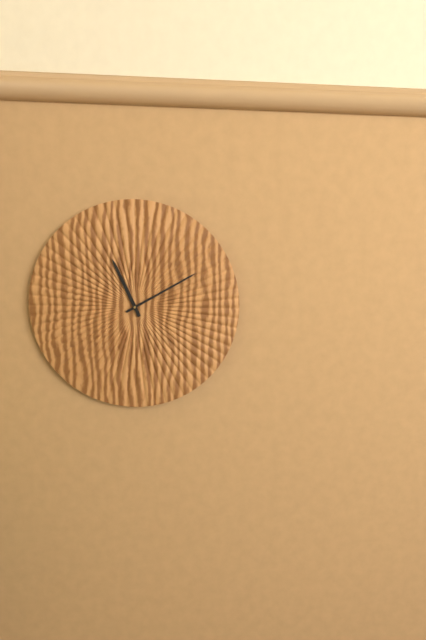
11:10
